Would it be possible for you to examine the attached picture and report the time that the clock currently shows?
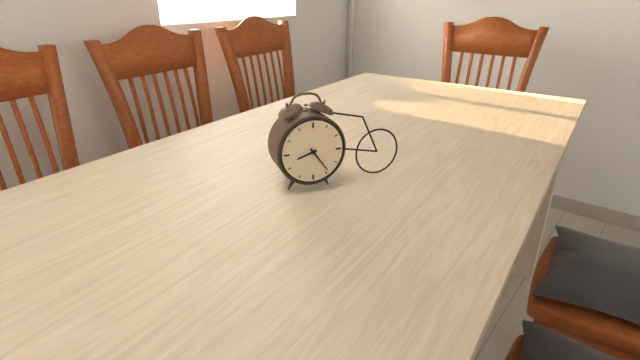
8:24
